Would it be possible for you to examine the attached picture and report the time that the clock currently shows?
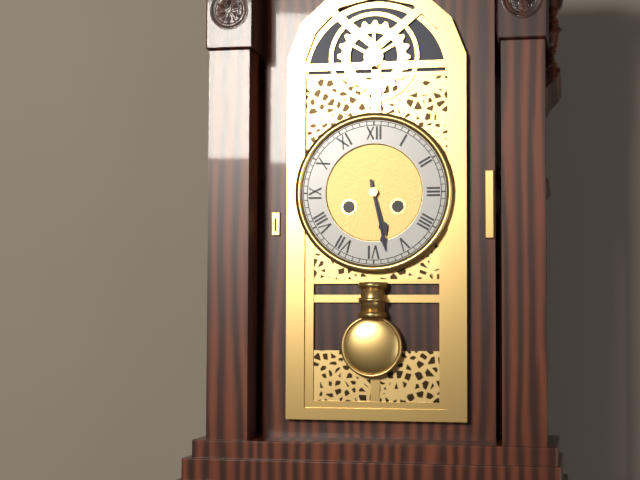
5:28
